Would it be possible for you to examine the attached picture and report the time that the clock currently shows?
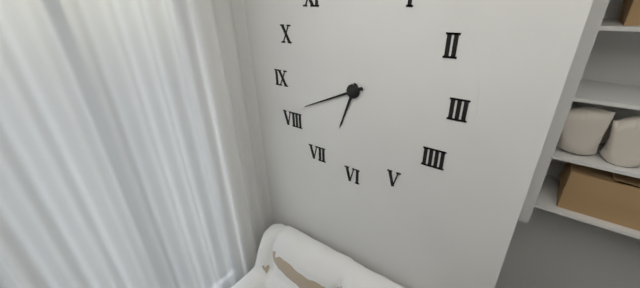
6:41
